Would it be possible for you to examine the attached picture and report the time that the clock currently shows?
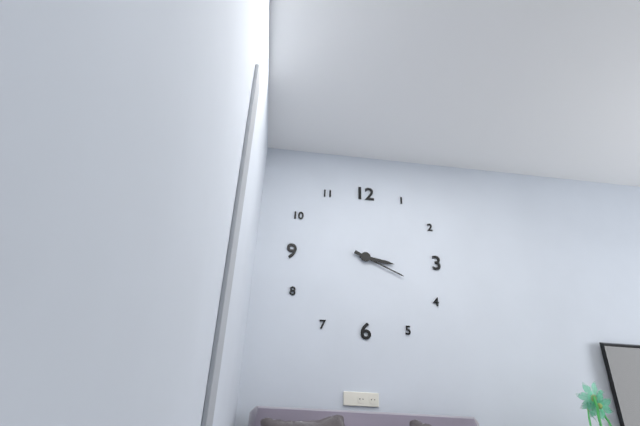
3:19
